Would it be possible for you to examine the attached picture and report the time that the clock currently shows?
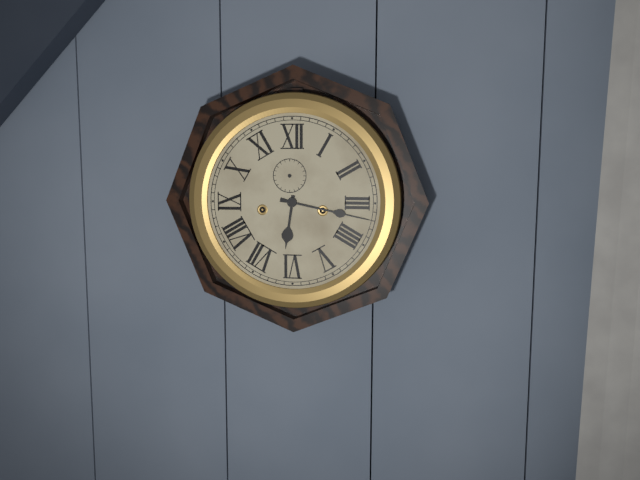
6:17
